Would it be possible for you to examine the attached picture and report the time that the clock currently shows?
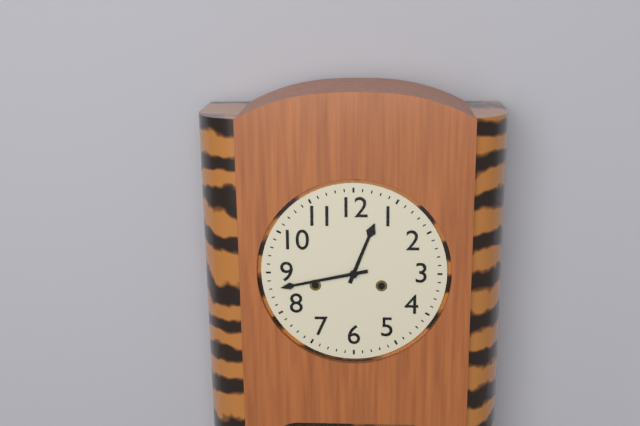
12:43
